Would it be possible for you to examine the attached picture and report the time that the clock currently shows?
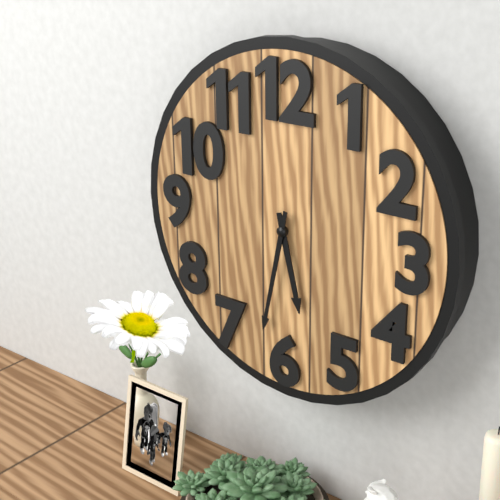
5:32
